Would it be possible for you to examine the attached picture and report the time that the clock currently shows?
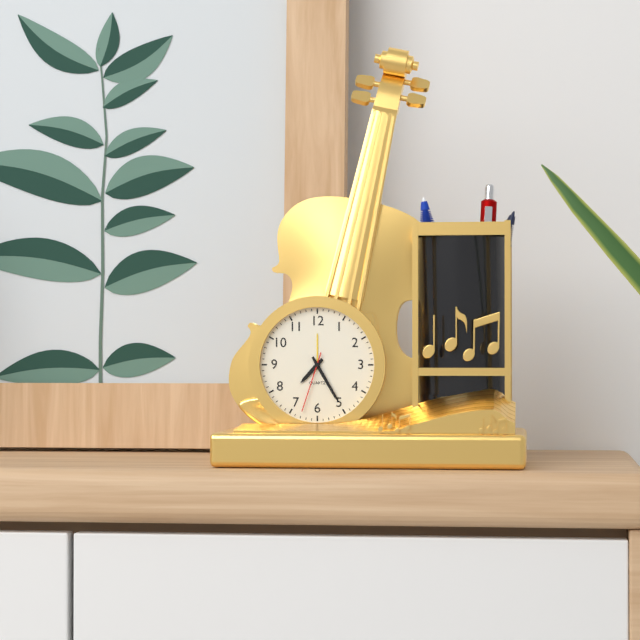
7:25:33
